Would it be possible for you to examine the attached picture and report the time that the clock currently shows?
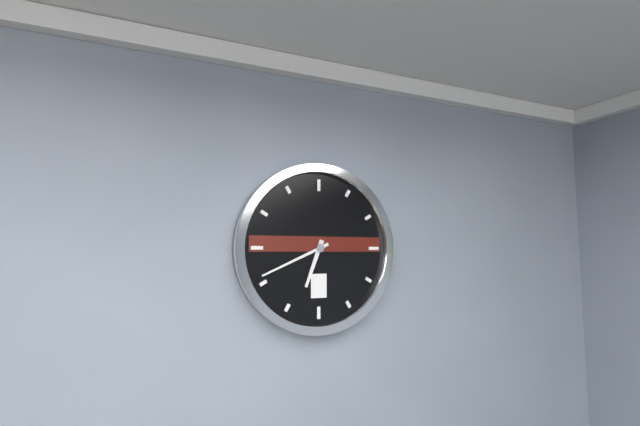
6:41
